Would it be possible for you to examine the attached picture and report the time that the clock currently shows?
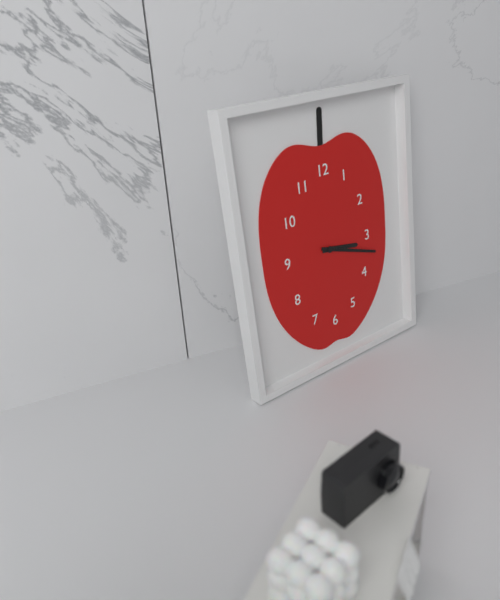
3:18
